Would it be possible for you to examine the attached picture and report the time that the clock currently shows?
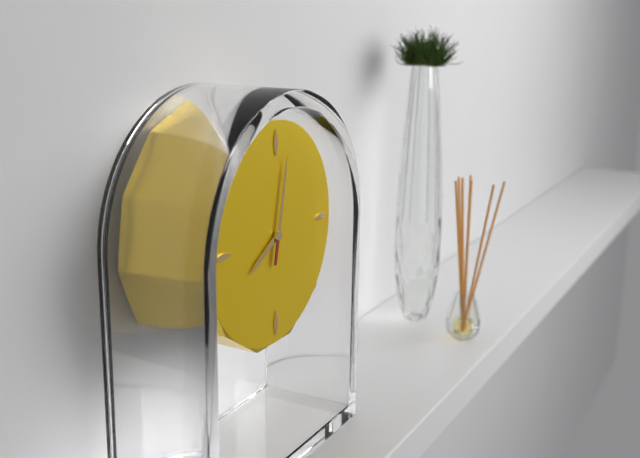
8:02
